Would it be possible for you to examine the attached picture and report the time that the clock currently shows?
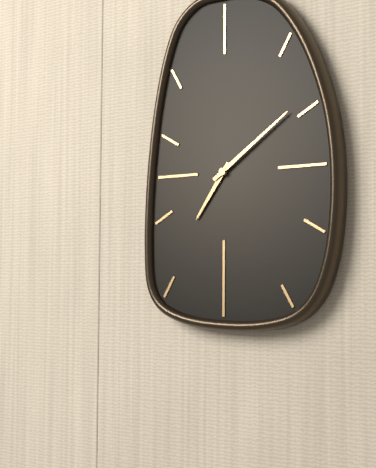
7:09
